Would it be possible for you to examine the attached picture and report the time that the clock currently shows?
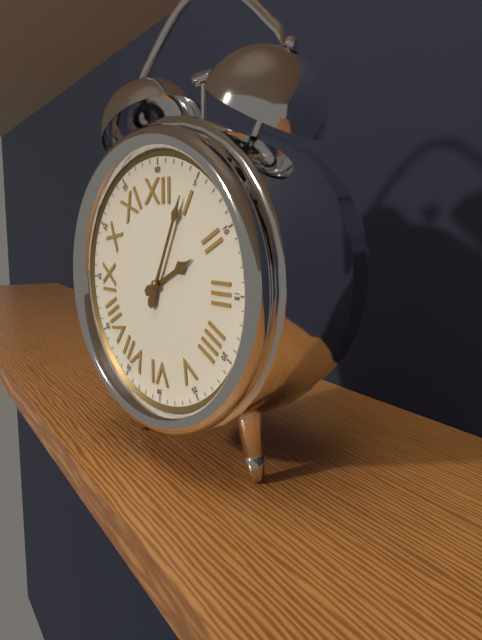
2:04
